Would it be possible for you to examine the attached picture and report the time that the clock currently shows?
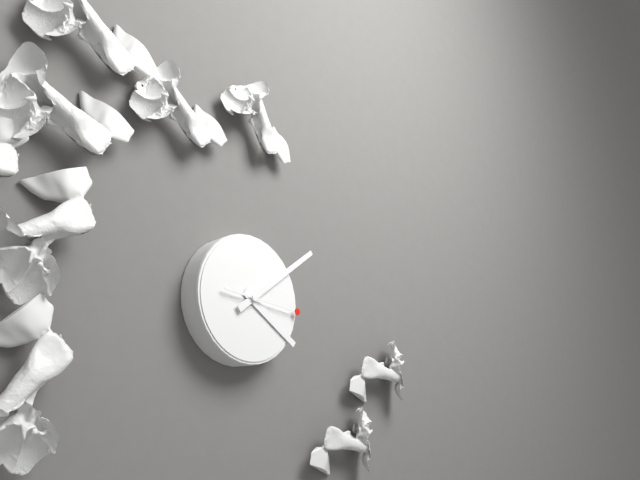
4:09:16
